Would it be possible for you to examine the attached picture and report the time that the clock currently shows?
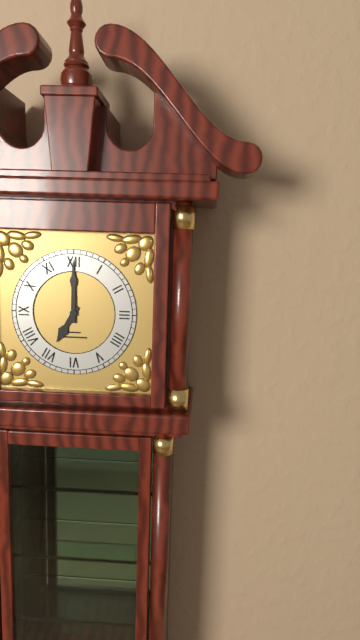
7:00
